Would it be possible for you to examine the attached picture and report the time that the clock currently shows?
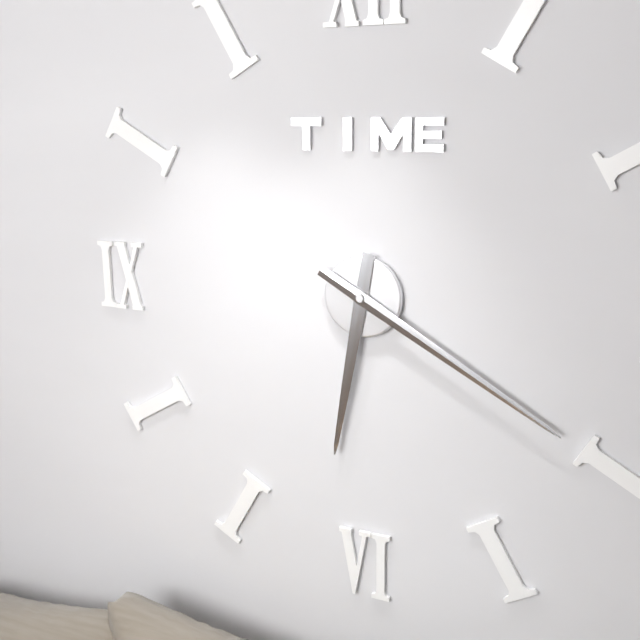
6:20
